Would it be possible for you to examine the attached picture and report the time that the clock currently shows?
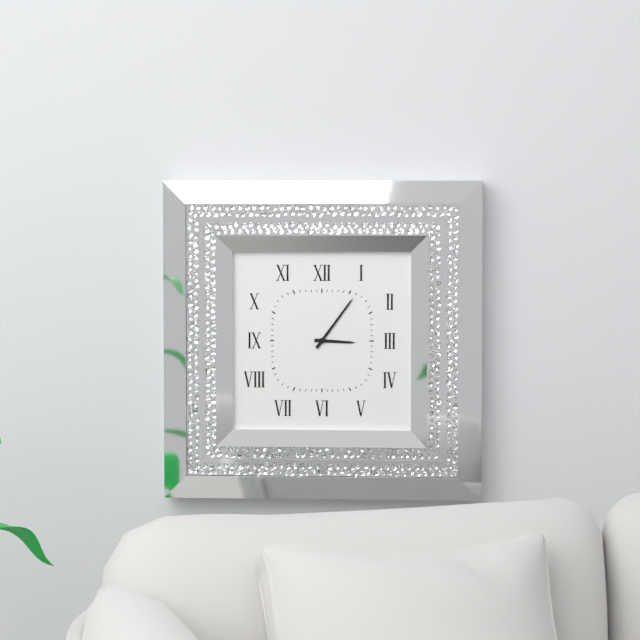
3:06
